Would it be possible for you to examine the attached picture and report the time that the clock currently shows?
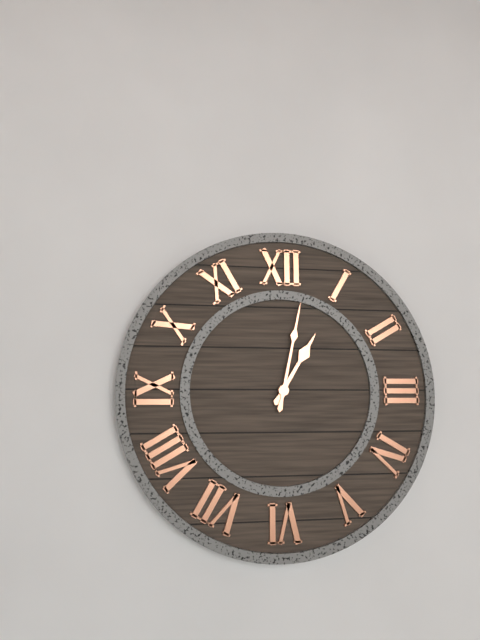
1:02
